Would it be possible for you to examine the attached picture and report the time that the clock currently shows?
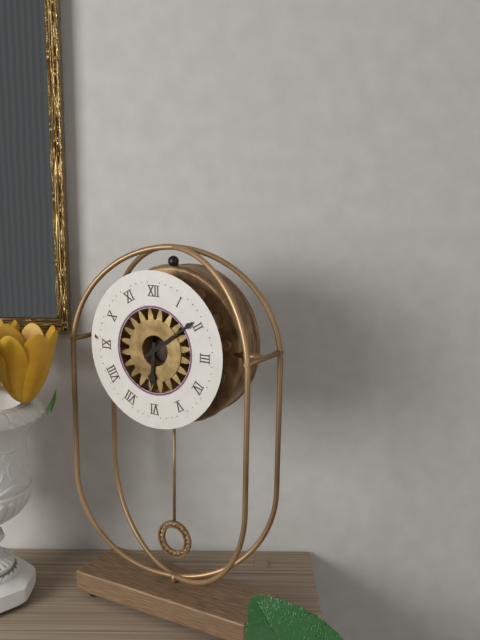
6:09
